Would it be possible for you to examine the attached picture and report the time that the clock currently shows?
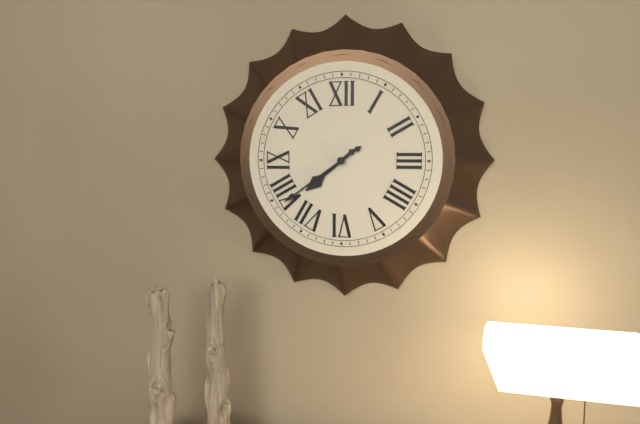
7:39
